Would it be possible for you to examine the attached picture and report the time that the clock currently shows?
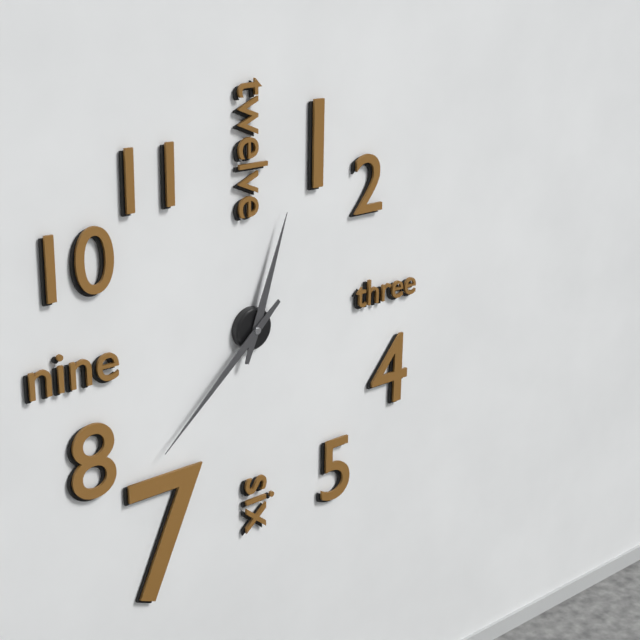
12:38
